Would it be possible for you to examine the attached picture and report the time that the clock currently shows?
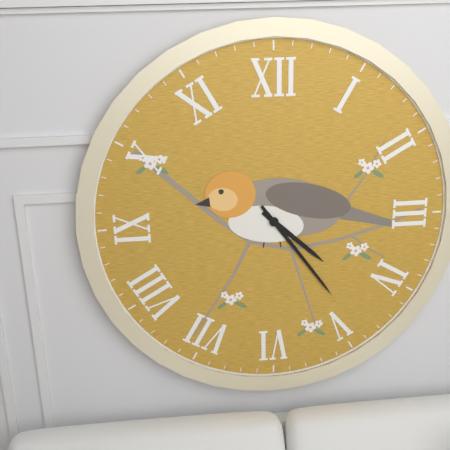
4:24
